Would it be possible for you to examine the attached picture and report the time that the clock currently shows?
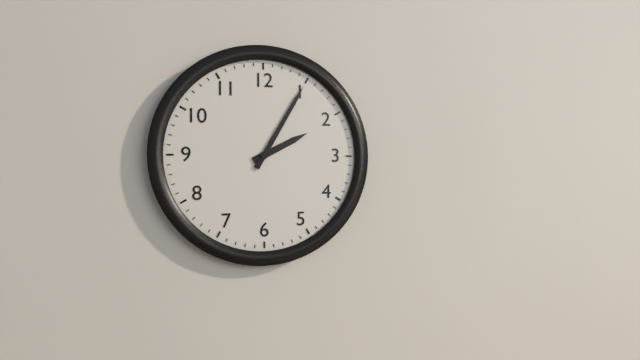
2:05
